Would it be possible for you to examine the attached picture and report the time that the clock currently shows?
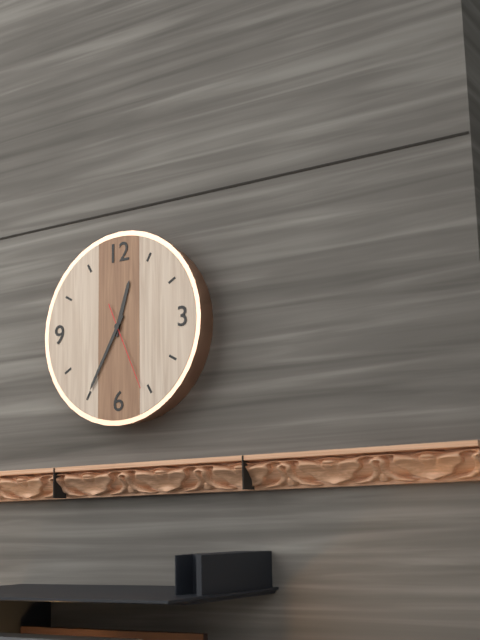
12:35:26
